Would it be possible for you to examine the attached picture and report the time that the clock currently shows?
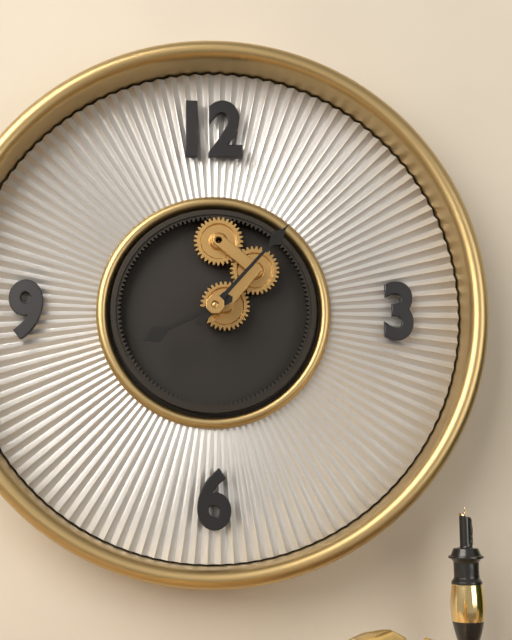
8:07
